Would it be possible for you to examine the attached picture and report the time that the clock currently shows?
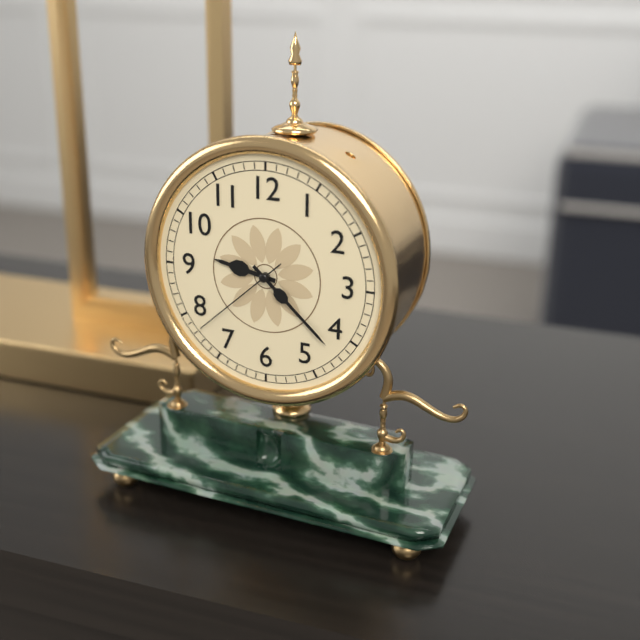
9:22:38
